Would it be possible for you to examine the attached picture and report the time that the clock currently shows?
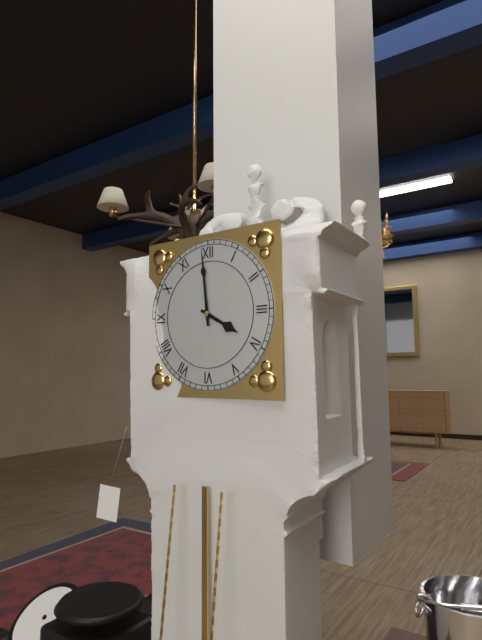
3:59
